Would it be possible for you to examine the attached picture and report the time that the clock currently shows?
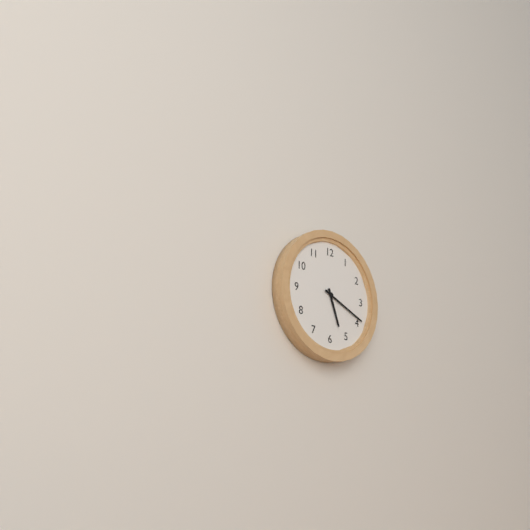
5:19
